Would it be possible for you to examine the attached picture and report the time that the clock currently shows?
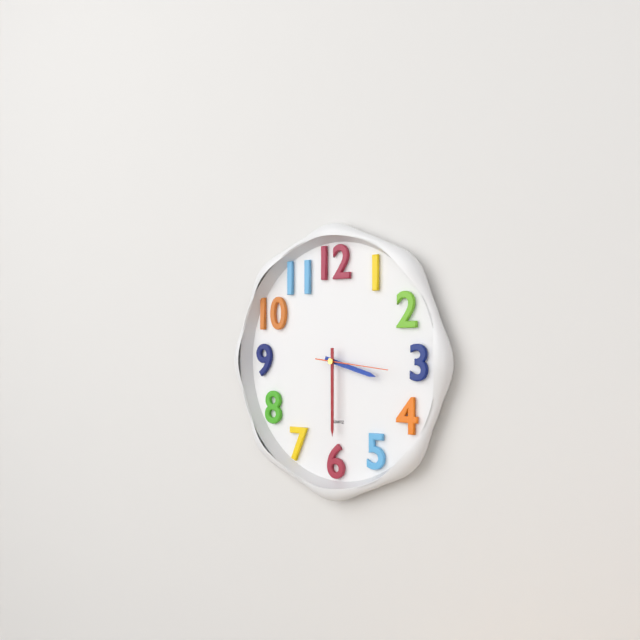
3:30:16
